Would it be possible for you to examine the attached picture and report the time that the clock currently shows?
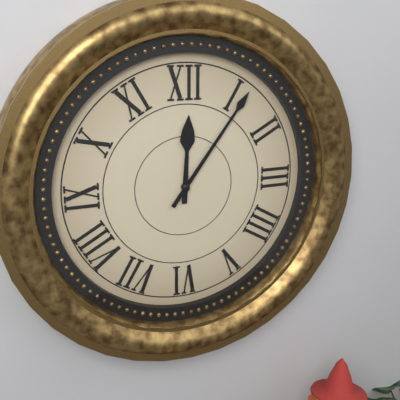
12:06
